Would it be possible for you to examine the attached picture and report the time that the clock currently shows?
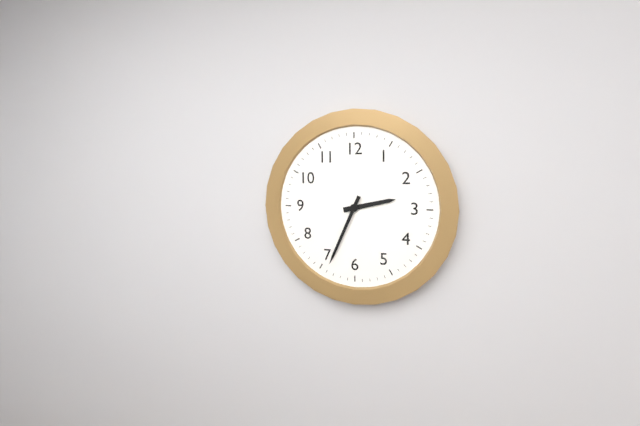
2:34
